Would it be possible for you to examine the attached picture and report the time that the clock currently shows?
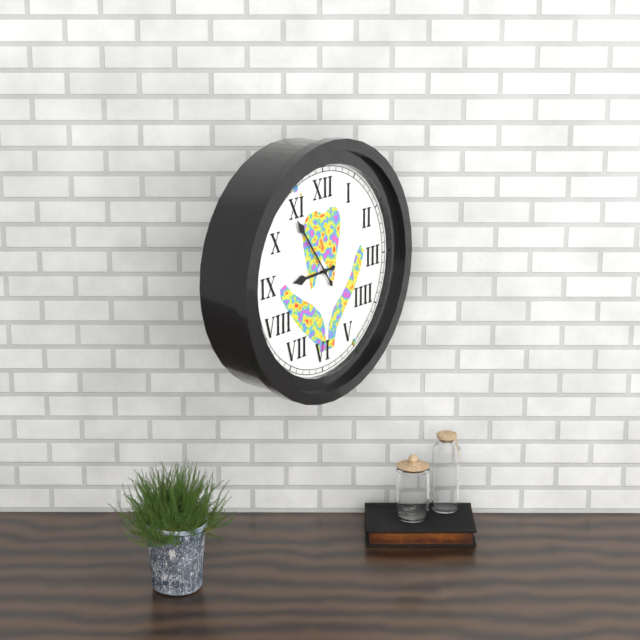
8:54
